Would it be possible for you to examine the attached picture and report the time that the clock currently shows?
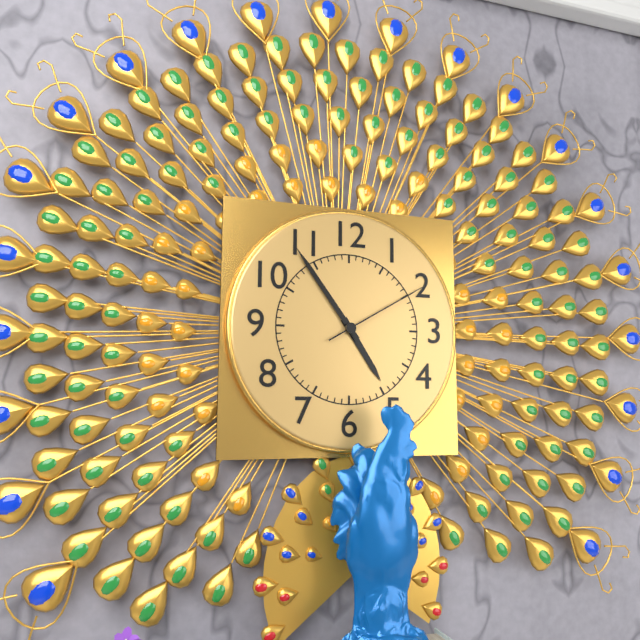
4:54:10
